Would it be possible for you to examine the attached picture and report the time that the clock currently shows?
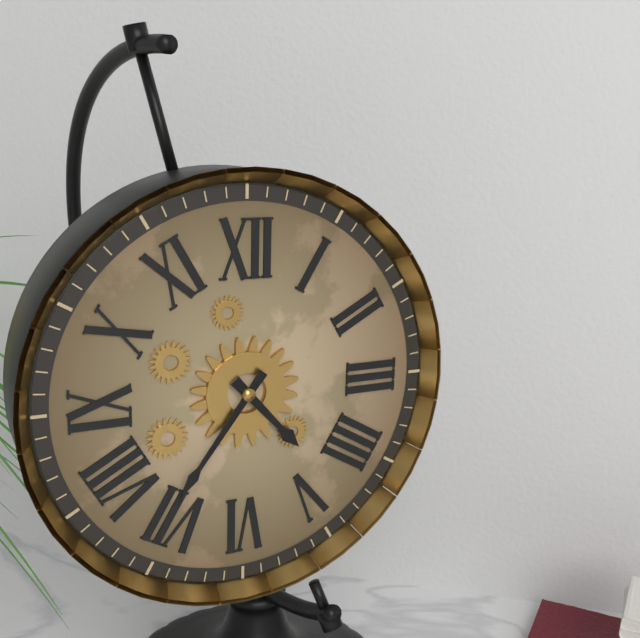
4:36
